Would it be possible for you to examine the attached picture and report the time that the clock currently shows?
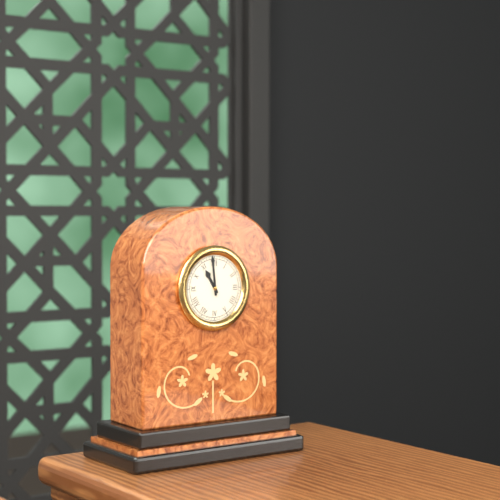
10:59
